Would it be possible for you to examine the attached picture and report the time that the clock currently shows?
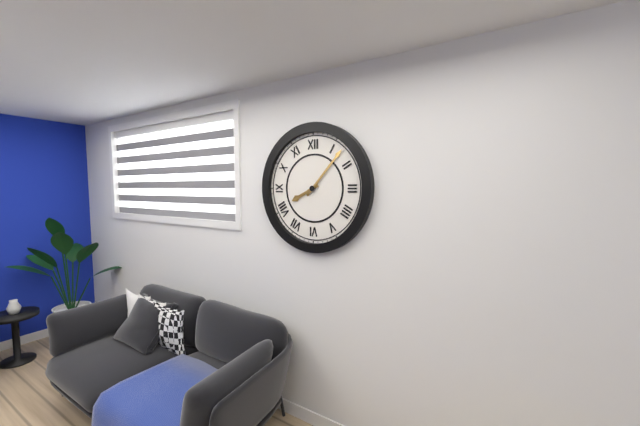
8:07
